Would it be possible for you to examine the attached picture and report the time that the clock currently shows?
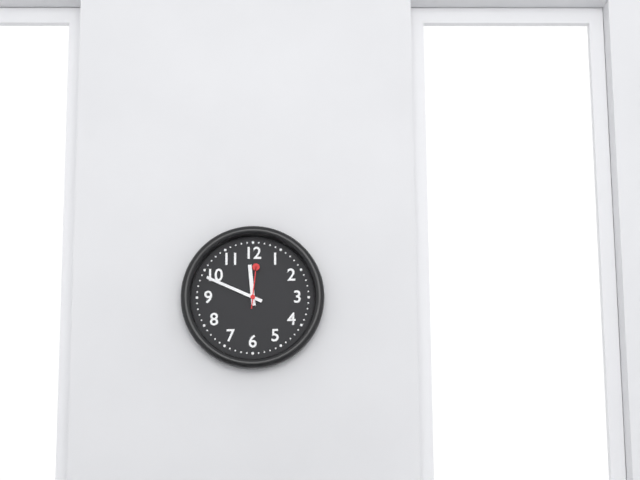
11:49
